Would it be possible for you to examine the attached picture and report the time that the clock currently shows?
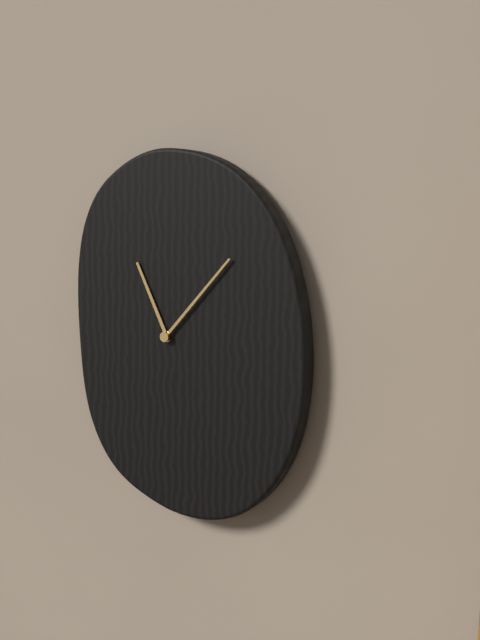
11:07
